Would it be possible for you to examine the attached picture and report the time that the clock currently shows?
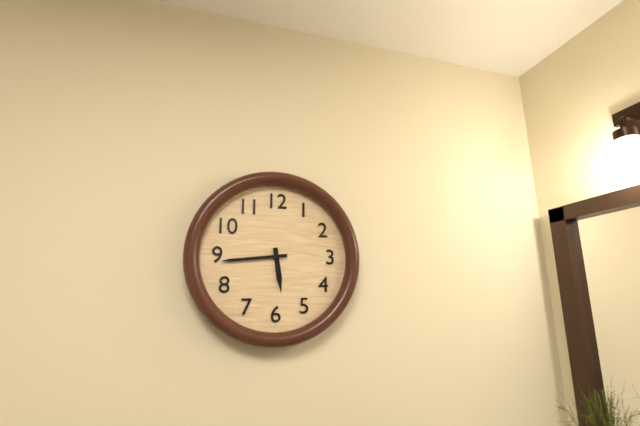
5:44
